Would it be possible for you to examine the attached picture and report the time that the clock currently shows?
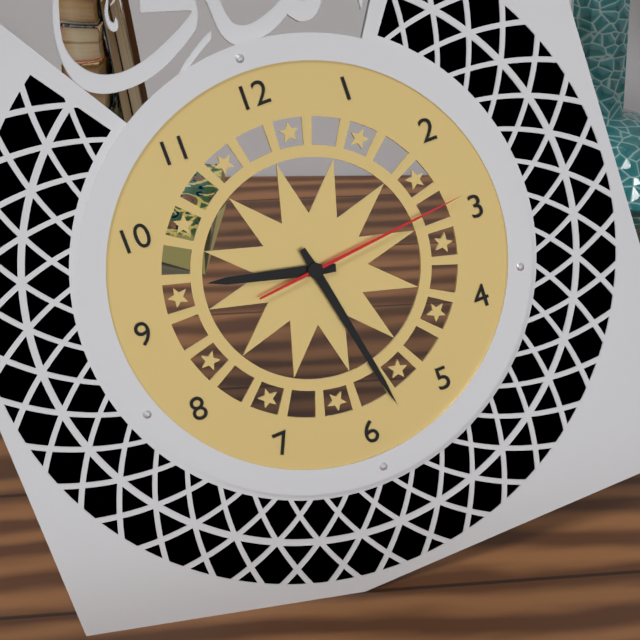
9:28:14
